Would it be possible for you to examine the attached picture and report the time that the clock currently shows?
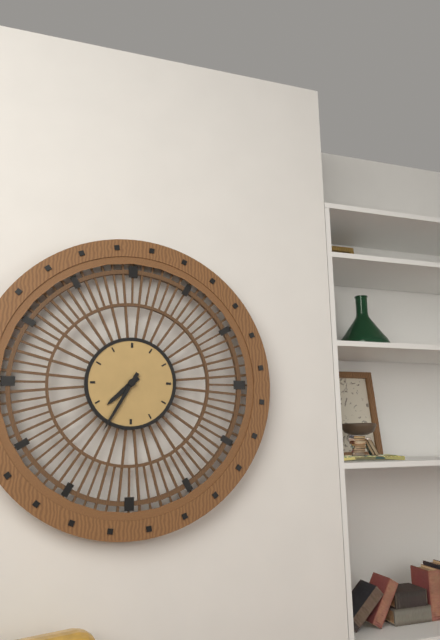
7:35
